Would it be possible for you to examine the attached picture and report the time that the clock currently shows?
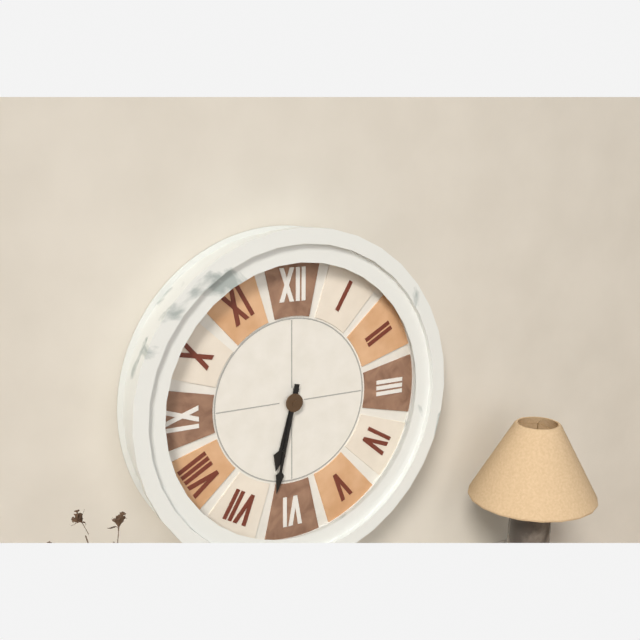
6:32
